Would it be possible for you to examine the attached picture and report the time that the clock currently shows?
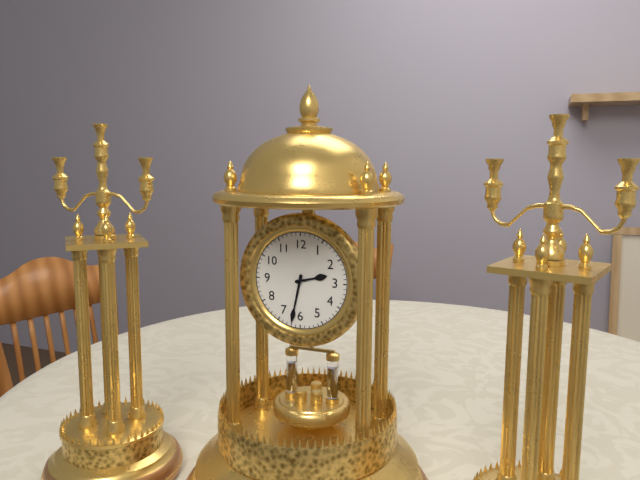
2:32
